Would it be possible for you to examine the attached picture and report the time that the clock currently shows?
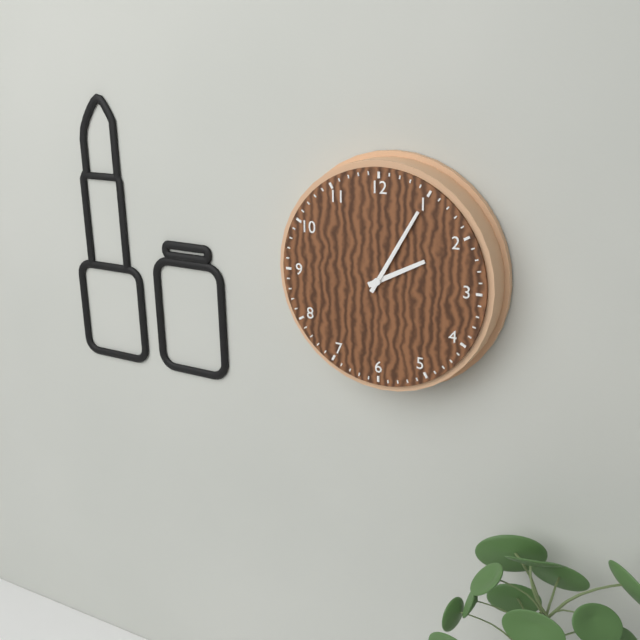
2:05
